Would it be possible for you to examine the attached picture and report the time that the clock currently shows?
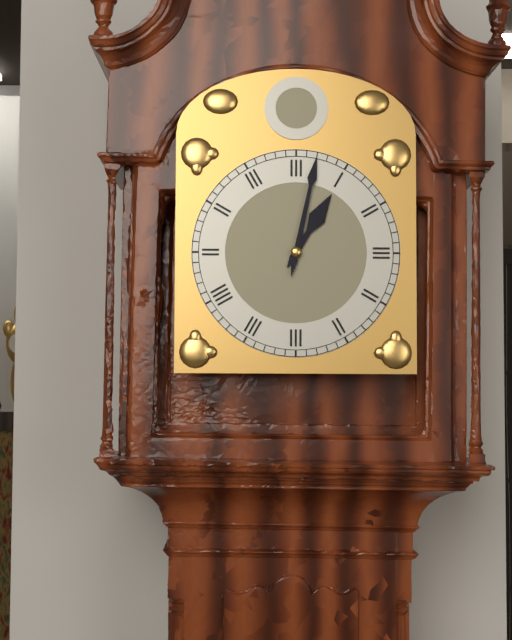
1:02
